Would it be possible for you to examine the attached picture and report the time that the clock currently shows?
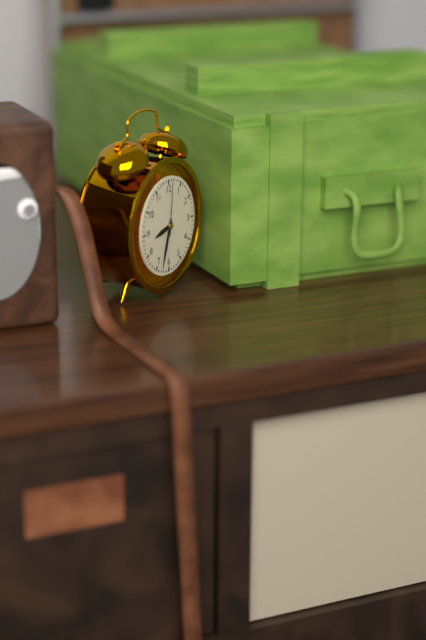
8:33:01
